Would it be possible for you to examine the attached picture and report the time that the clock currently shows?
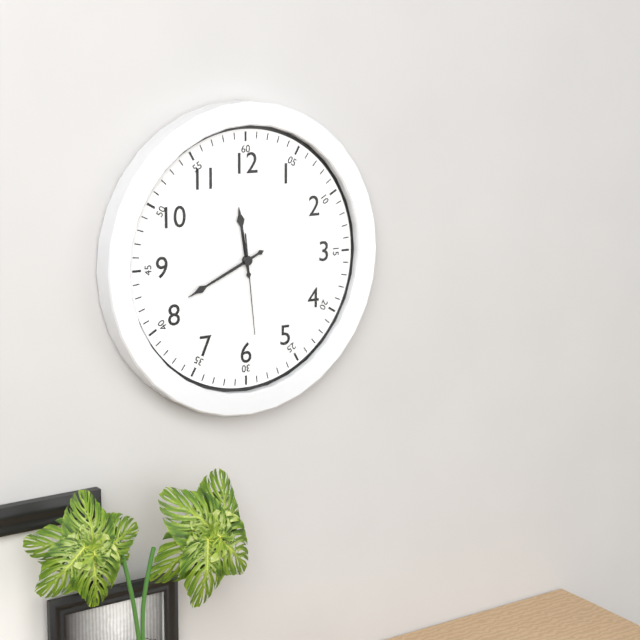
11:41:29
